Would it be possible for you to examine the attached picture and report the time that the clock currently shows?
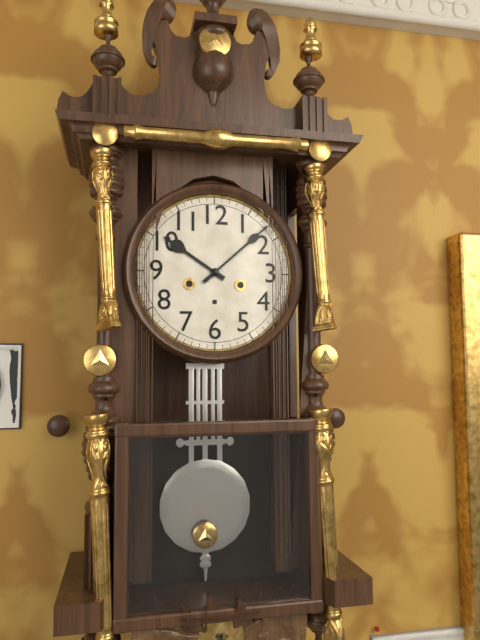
10:08
